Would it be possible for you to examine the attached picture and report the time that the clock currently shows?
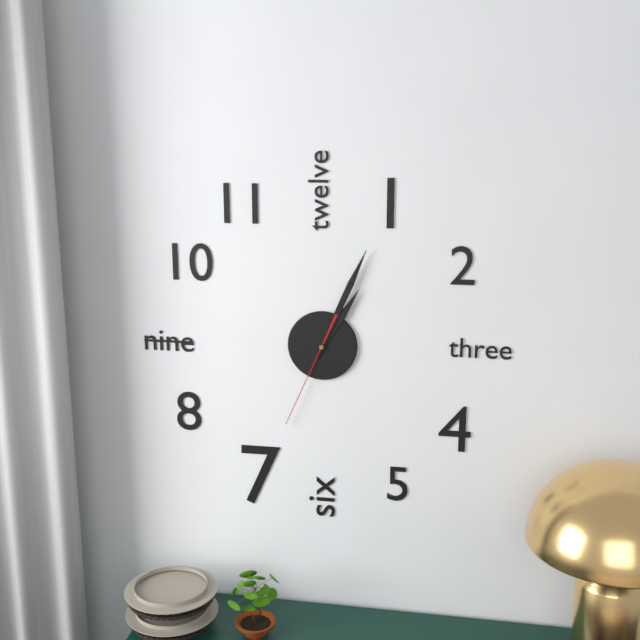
1:04:34
